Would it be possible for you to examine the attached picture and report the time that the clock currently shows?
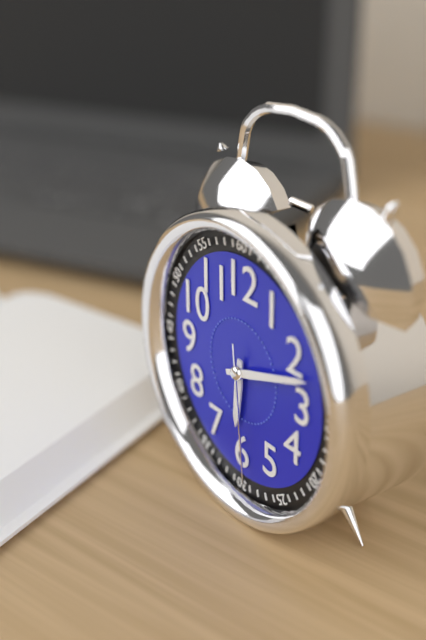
6:12:29
